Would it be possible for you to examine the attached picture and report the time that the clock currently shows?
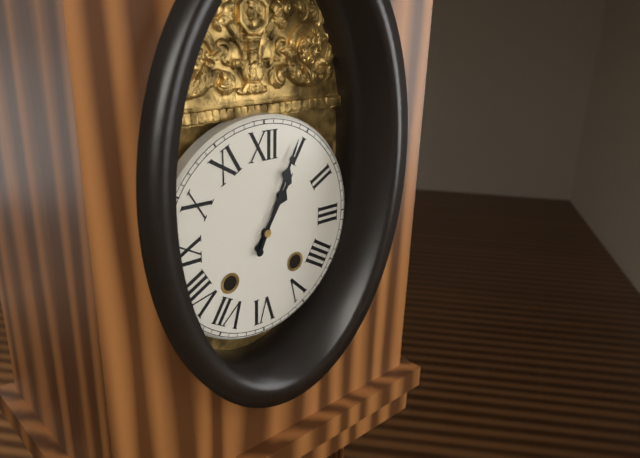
1:04
